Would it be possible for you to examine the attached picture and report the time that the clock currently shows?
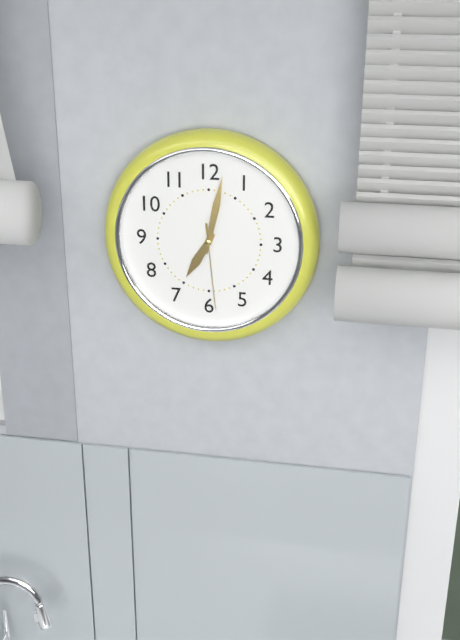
7:02:29
